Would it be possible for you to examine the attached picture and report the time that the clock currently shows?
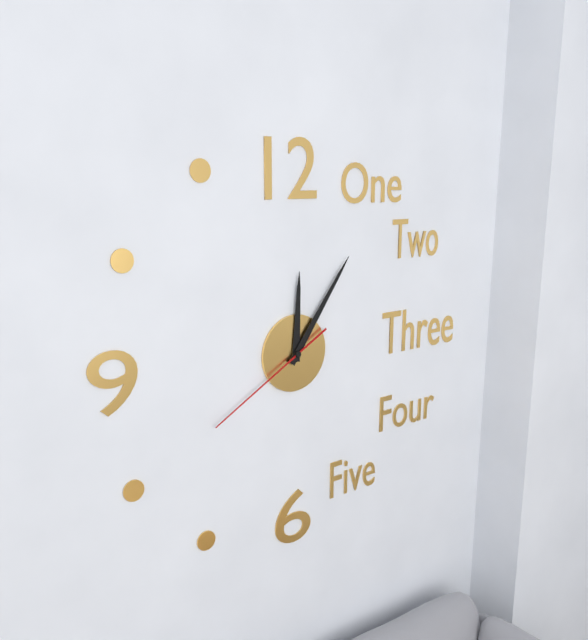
12:06:40
